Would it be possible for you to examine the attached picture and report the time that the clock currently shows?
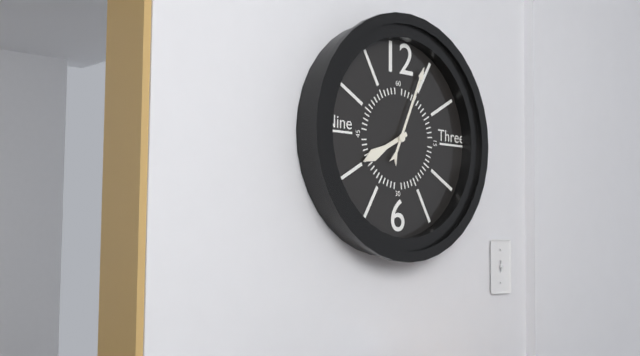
8:04
